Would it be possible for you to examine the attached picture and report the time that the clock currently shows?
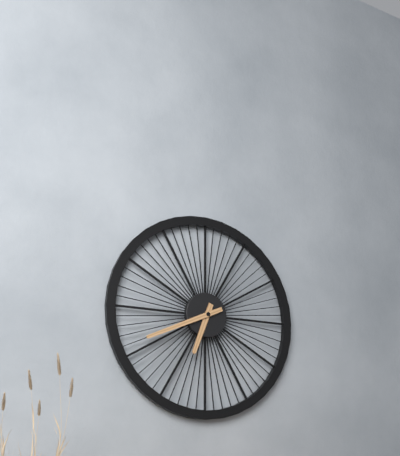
6:41
